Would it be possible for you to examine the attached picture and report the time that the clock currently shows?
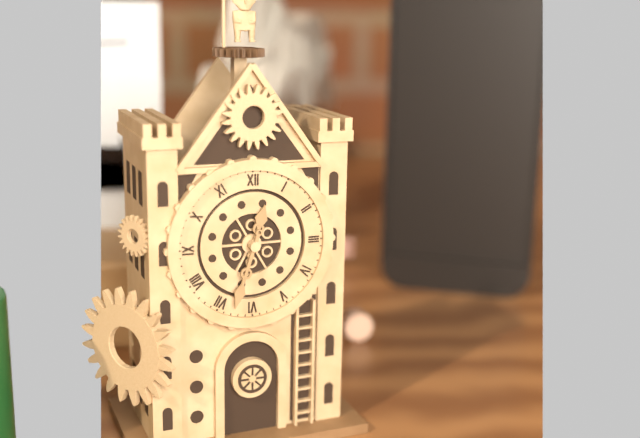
12:33
